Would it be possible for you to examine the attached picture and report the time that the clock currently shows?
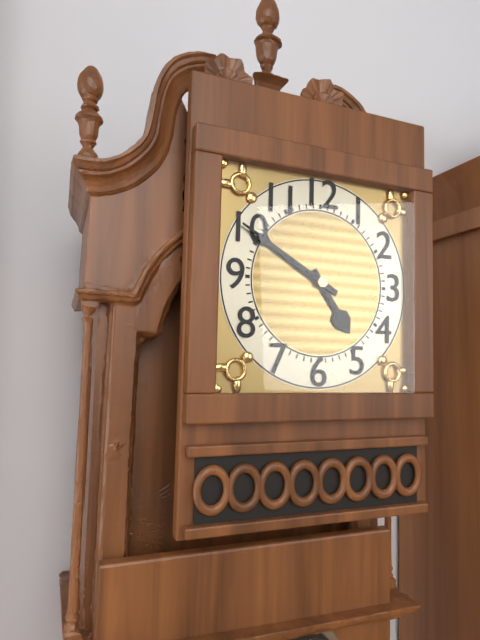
4:50
